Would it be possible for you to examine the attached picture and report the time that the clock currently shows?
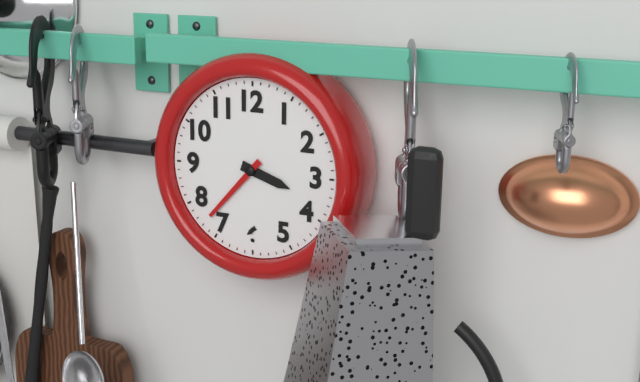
3:37
